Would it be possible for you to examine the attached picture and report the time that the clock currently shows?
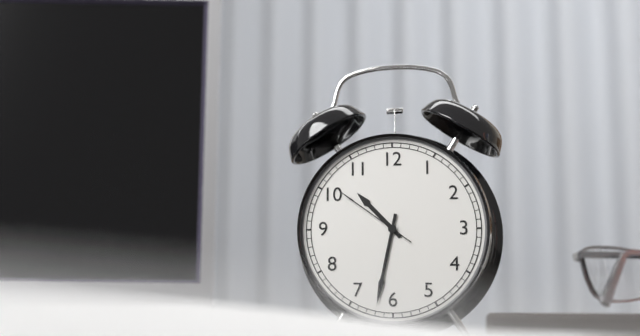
10:32:51
